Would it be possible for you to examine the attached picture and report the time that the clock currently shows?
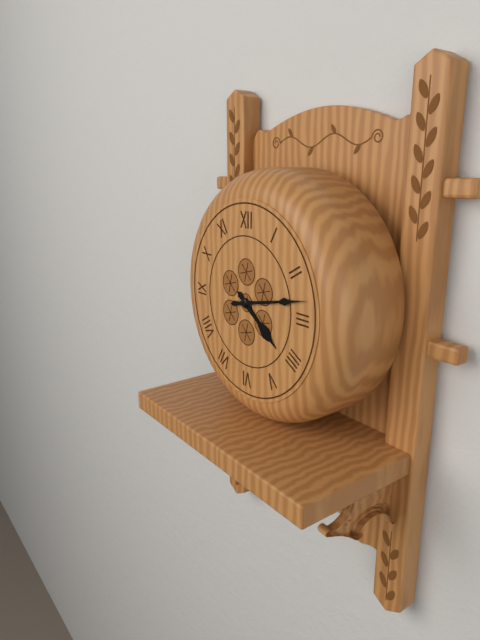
4:13
